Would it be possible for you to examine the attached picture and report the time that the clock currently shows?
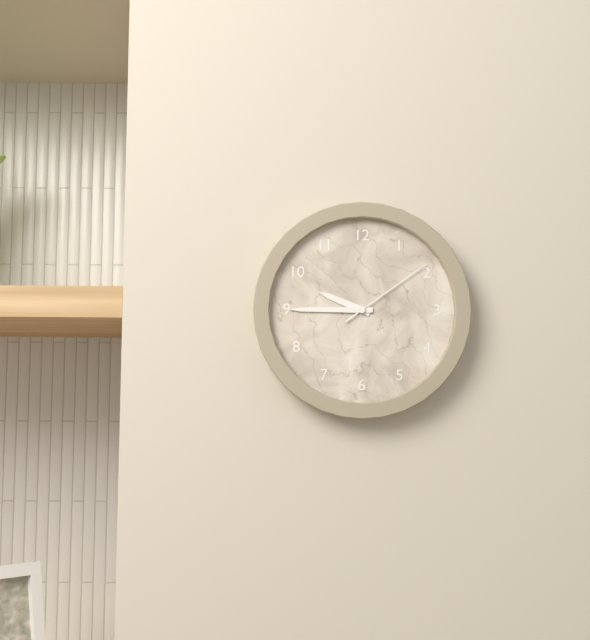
9:45:09
